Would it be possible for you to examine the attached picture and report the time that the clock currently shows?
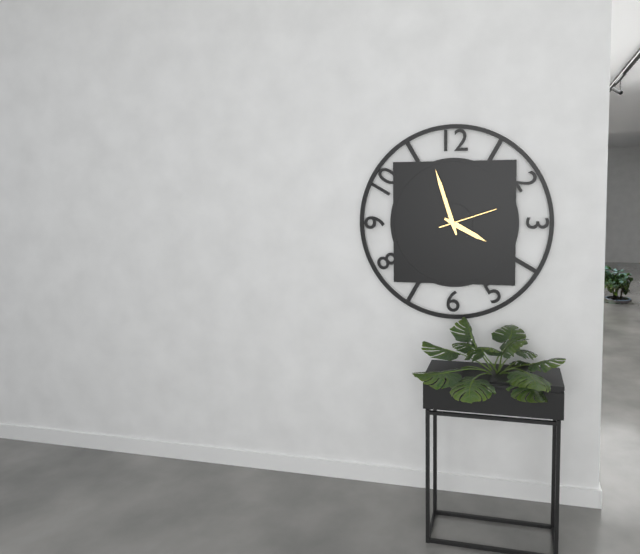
3:57:12
